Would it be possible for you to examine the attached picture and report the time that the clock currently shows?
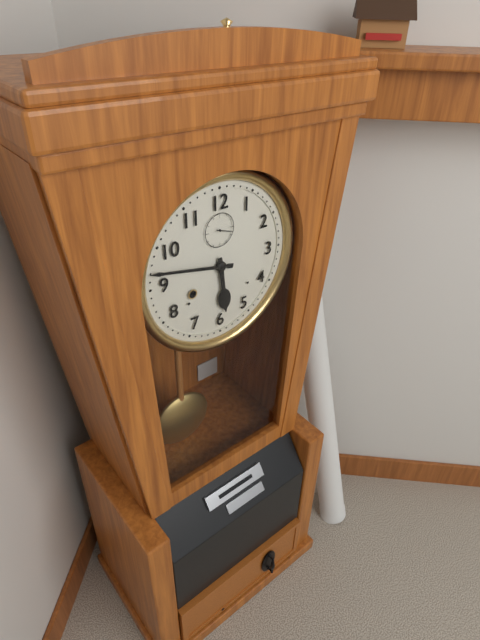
5:47
